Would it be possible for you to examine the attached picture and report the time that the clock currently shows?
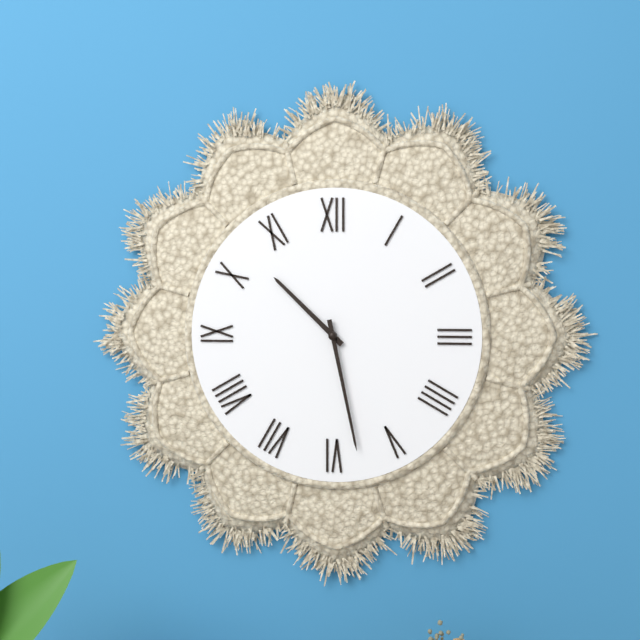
10:28
